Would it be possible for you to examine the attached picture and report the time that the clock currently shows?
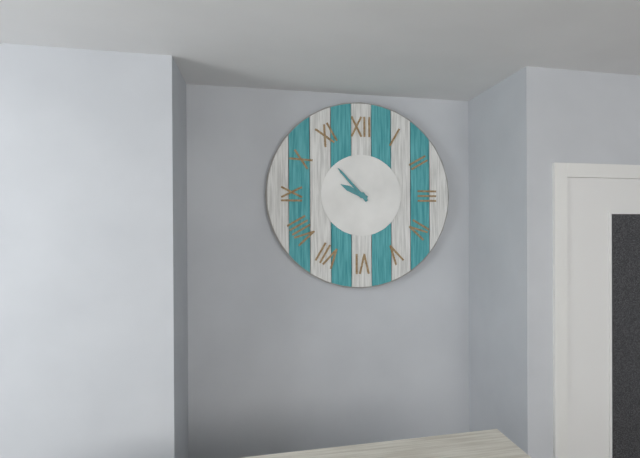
9:53
